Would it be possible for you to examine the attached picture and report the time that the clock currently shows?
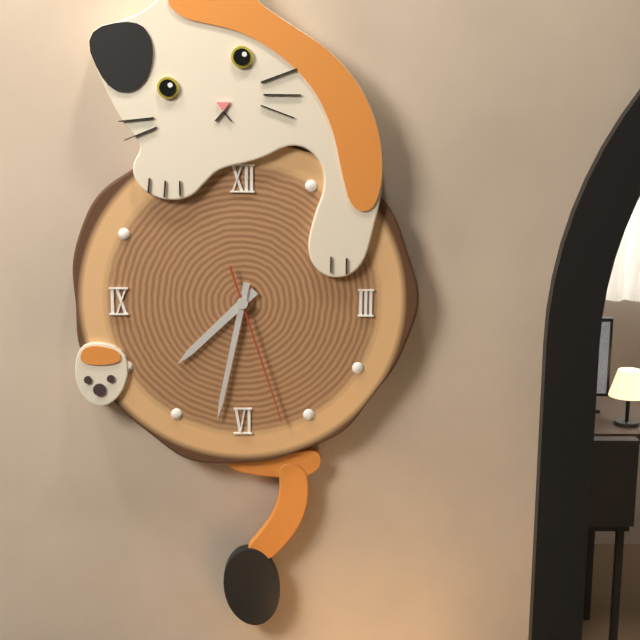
7:32:27
